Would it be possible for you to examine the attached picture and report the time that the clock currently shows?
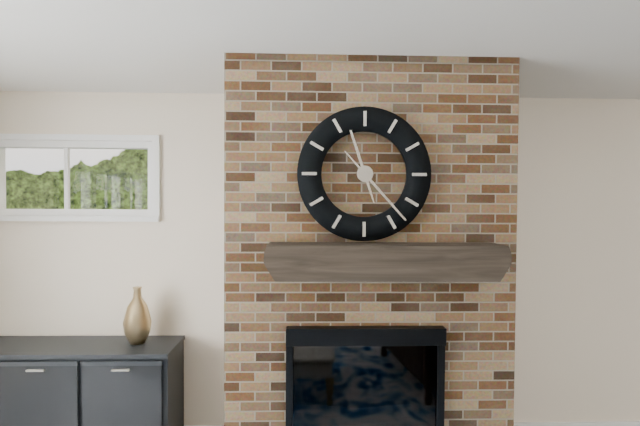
11:23
